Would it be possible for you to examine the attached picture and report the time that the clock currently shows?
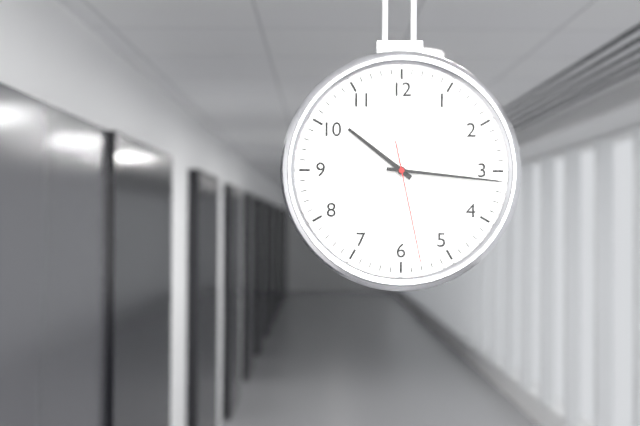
10:16:28
